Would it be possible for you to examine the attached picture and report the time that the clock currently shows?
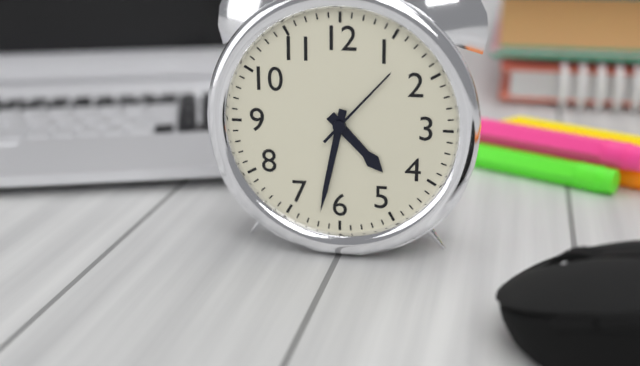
4:32:07
